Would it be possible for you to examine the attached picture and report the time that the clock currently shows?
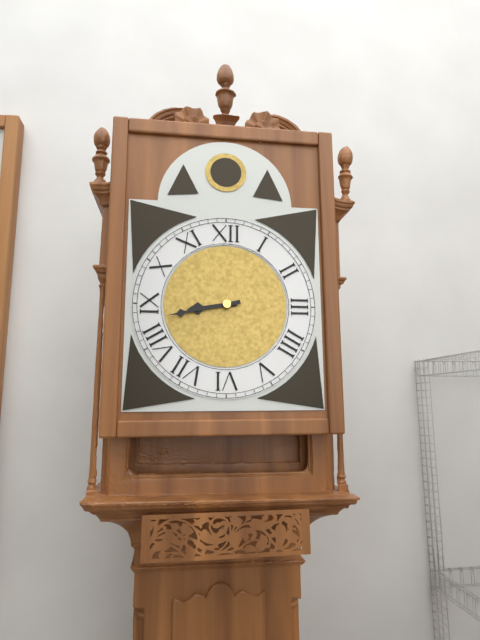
8:43
